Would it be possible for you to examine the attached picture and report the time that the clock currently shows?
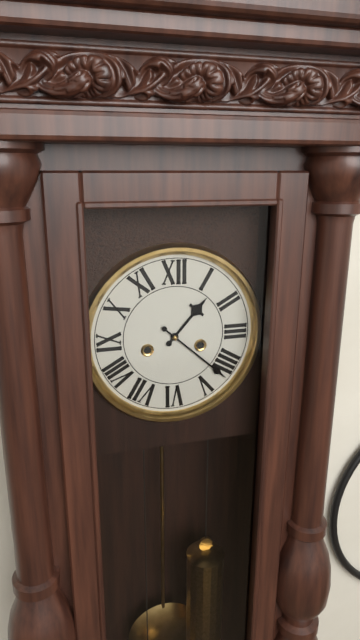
1:22
